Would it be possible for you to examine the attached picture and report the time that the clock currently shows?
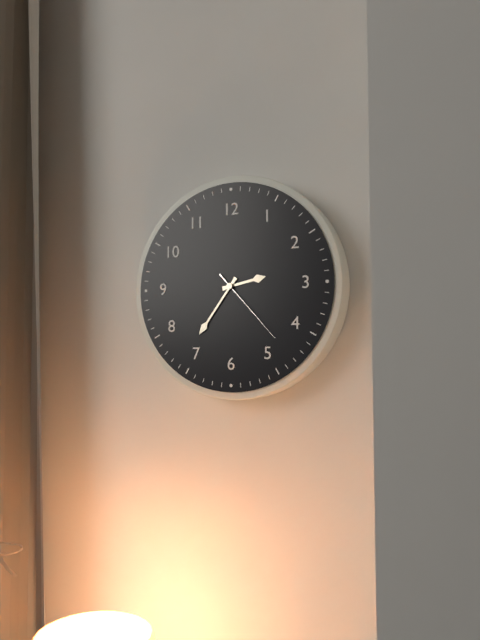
2:36:23
